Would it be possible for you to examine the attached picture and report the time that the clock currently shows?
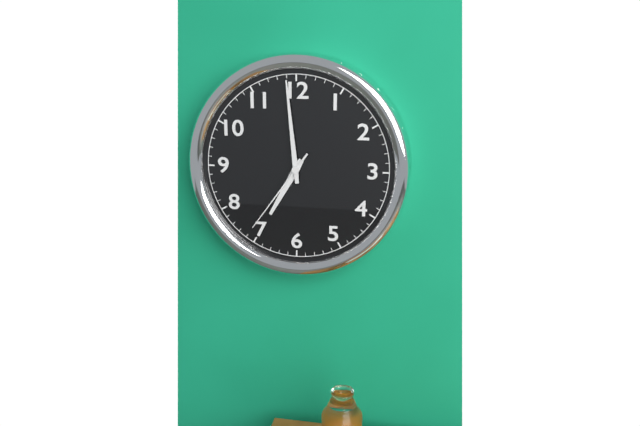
6:59:36
